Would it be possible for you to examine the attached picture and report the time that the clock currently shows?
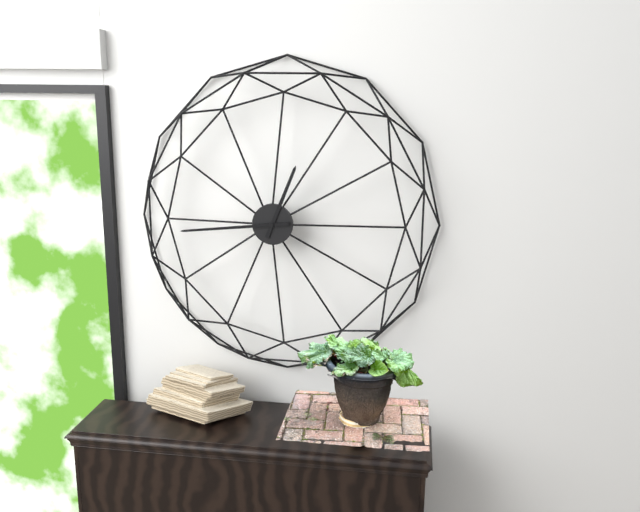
12:44
